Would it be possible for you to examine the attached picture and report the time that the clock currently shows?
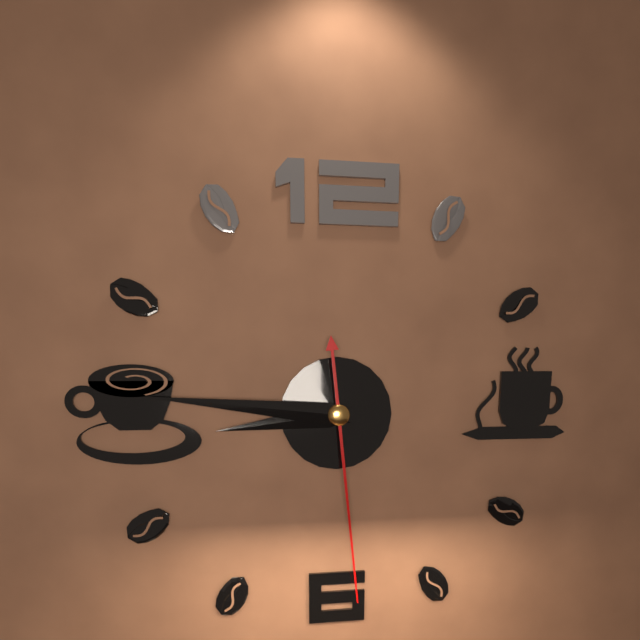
8:46:29
